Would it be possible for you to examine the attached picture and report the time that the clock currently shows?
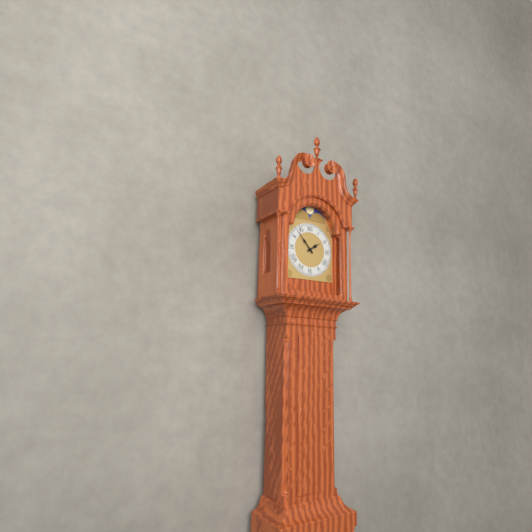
1:53
